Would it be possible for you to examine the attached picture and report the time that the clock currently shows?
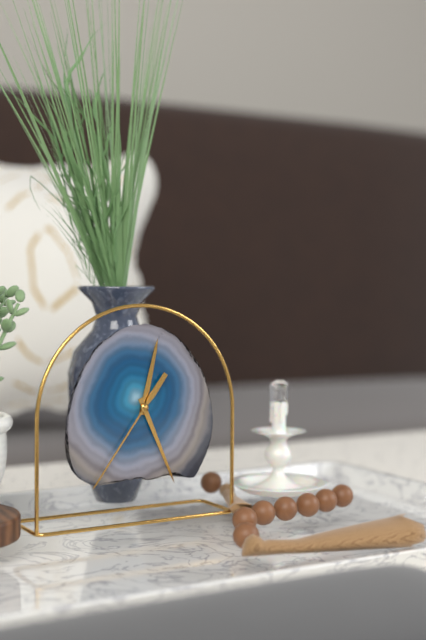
12:26:36
